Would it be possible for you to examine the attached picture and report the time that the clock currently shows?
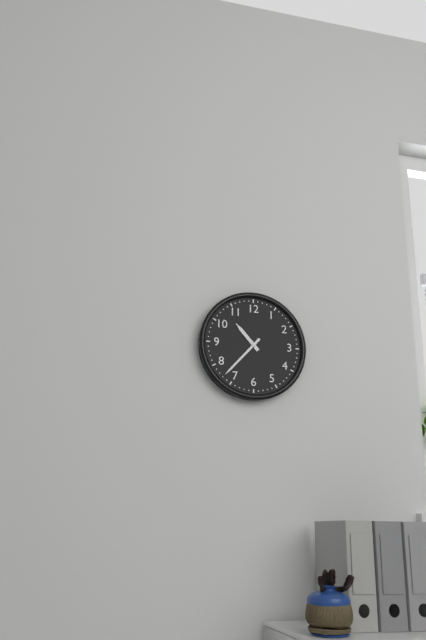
10:37
